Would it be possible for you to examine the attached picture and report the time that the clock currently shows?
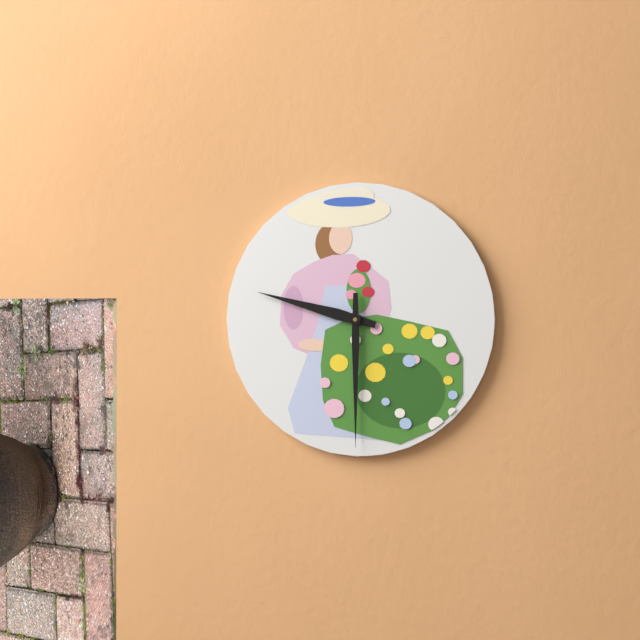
9:30
